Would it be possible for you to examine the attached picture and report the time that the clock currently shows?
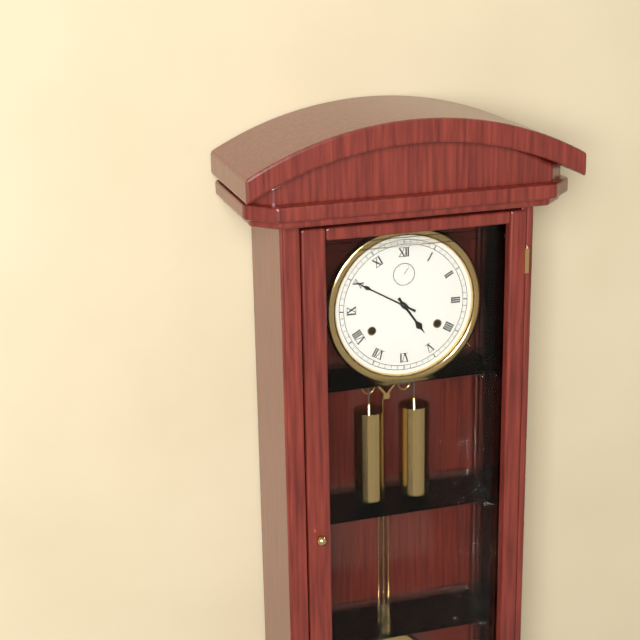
4:50
